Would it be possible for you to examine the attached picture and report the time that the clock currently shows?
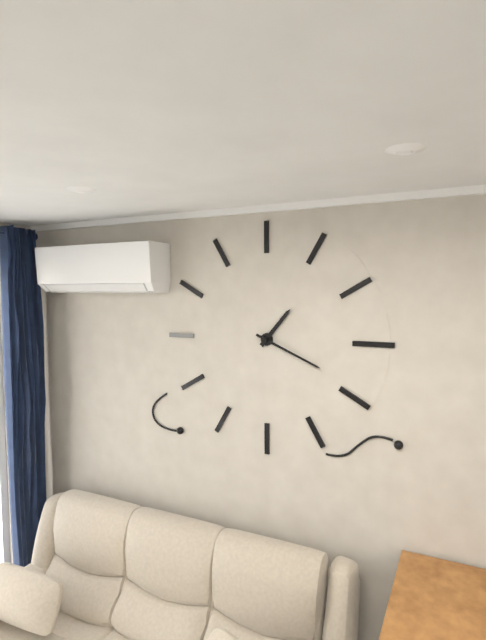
1:19
